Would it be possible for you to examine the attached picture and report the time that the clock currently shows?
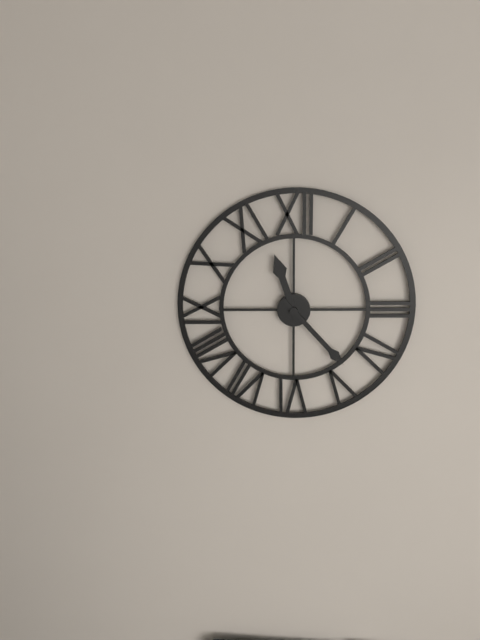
11:23
